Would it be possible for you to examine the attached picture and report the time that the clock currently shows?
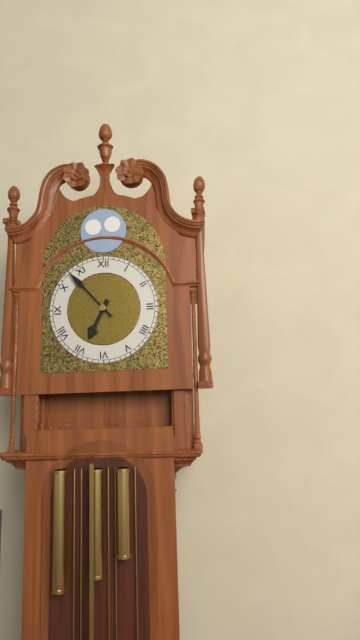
6:53
